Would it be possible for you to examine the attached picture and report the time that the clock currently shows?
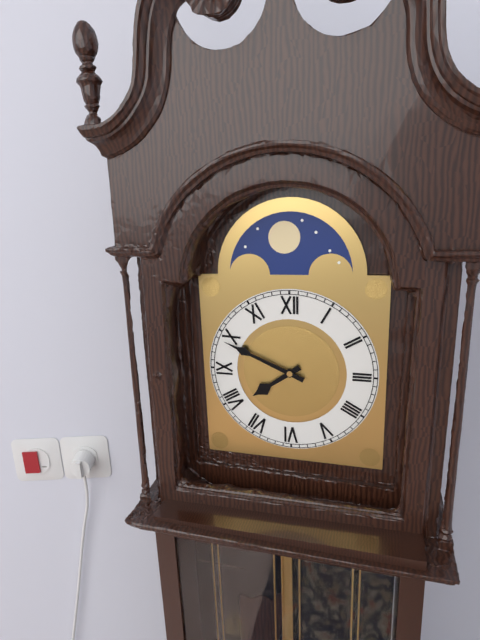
7:49
